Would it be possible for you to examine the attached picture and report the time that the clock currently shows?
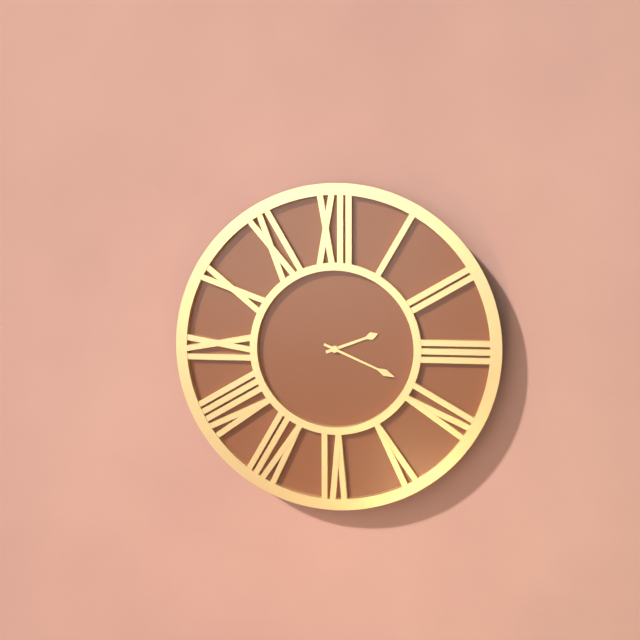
2:19
